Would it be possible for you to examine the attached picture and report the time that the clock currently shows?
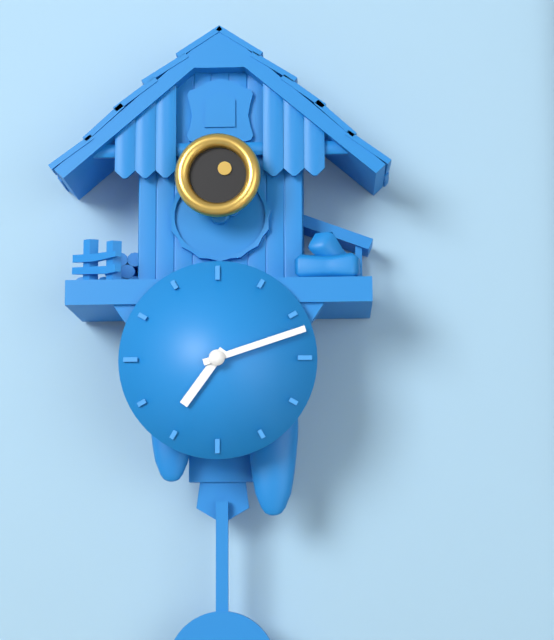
7:12
